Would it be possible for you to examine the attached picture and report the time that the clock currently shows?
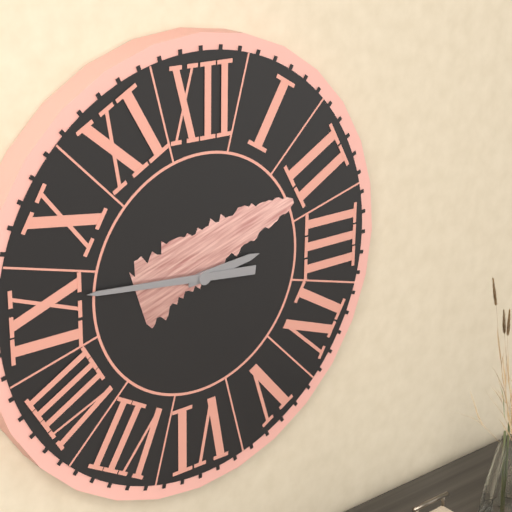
2:46
